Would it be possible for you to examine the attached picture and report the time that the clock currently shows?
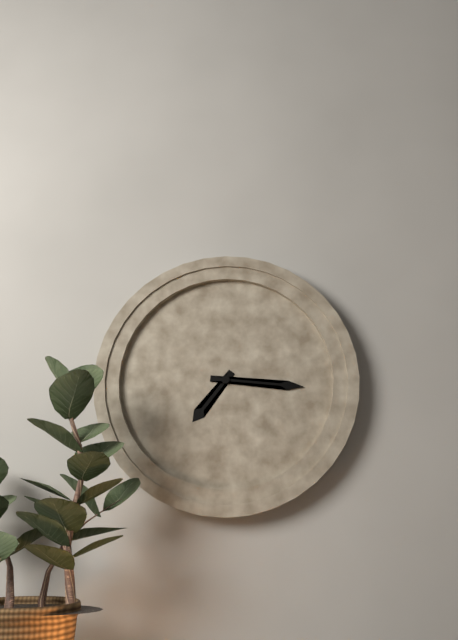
7:16
